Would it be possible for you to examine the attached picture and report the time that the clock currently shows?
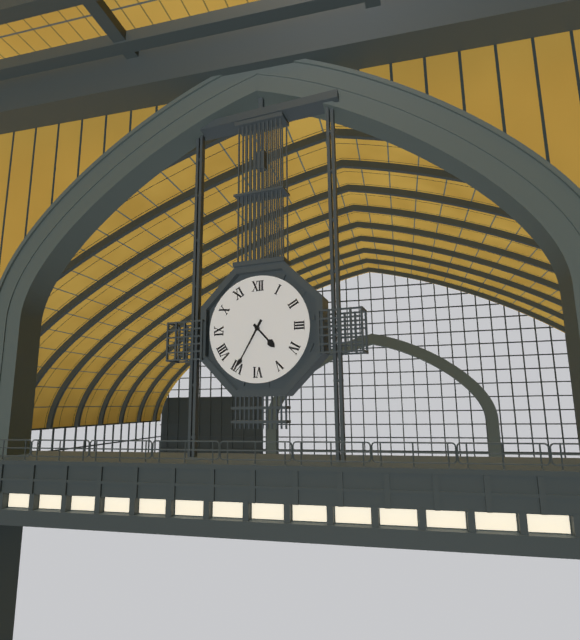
4:35
